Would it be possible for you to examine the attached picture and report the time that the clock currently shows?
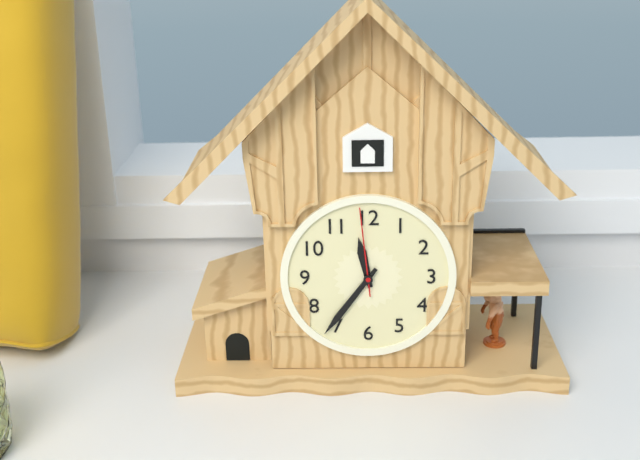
11:36:59
